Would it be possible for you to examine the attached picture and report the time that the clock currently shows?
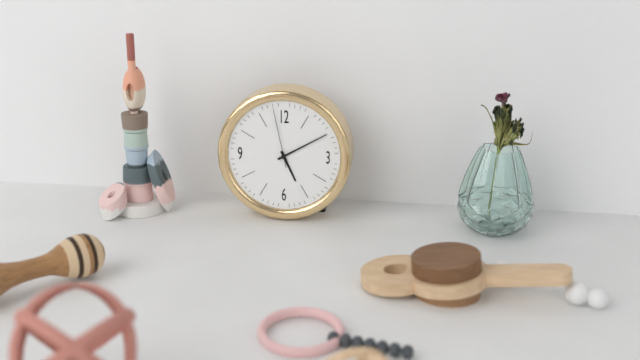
5:10:58
